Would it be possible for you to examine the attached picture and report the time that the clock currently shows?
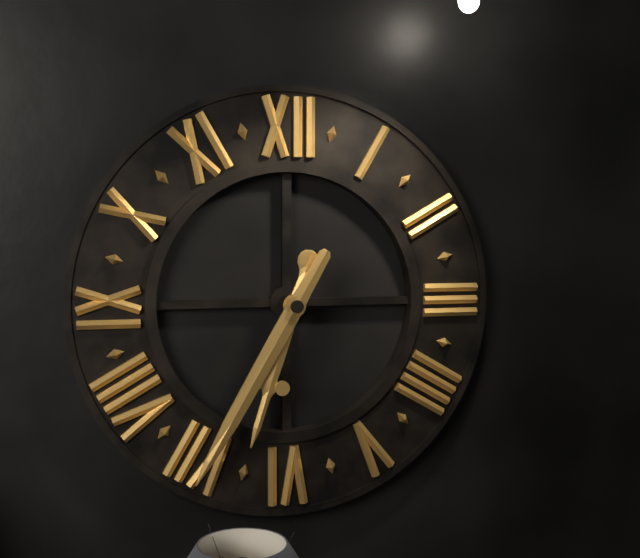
6:35
